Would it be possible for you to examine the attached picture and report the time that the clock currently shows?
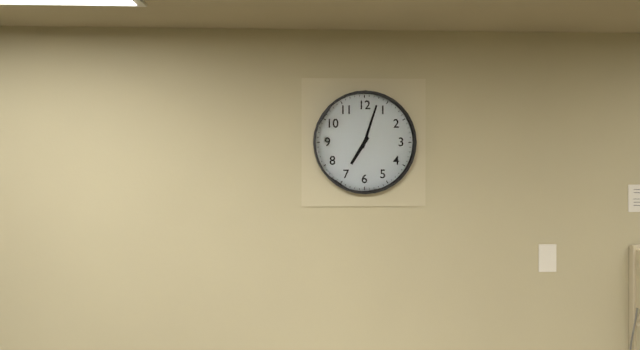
7:03
